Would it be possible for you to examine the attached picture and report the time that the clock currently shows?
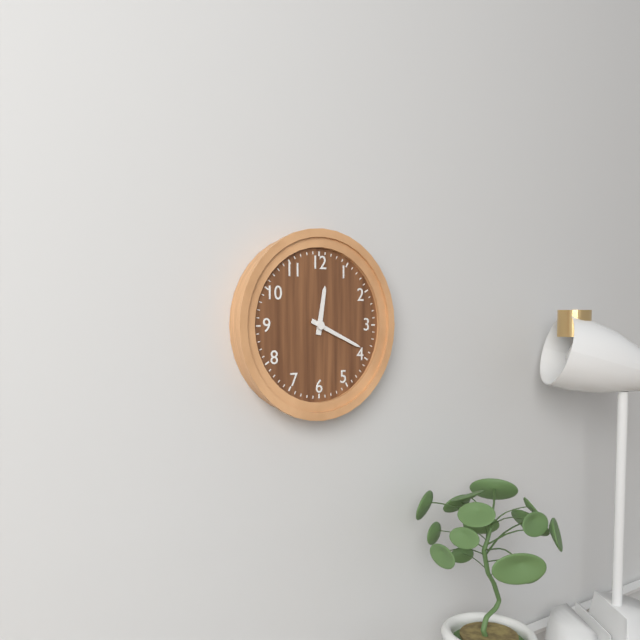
12:19
